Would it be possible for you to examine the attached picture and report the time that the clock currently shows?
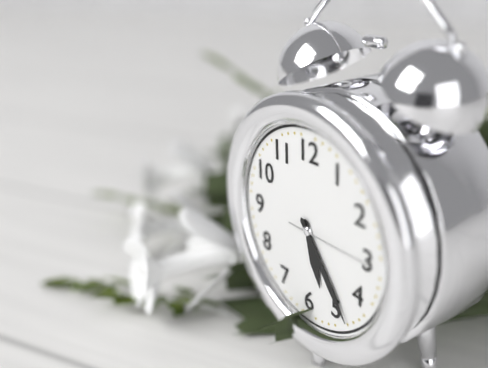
5:24:15
